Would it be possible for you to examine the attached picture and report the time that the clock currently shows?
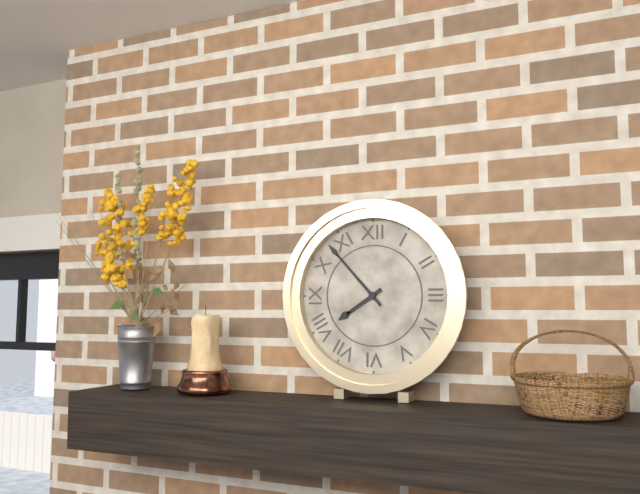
7:53
